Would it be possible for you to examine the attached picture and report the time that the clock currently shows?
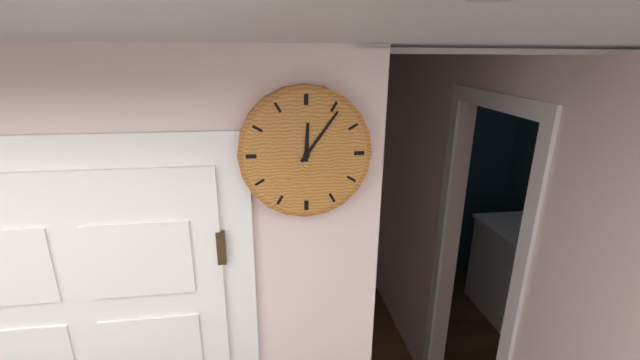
12:06
